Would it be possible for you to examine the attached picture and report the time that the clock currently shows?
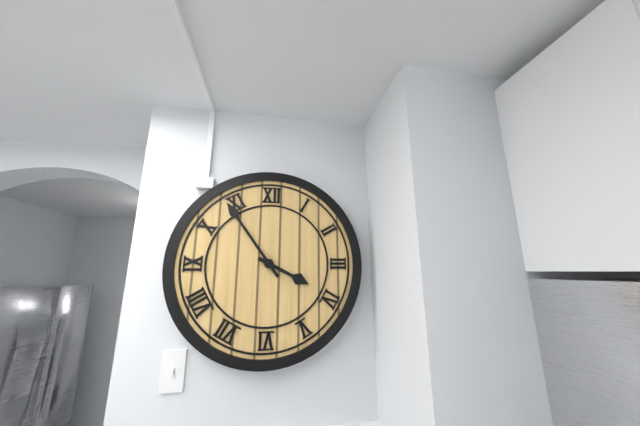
3:54
